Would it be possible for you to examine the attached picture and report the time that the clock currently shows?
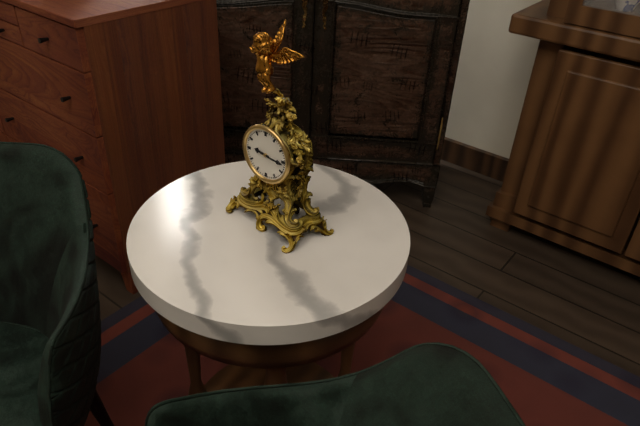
9:16
